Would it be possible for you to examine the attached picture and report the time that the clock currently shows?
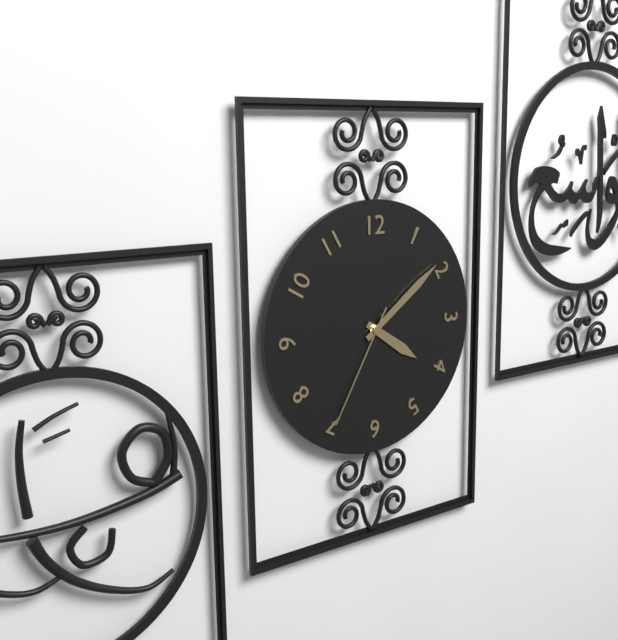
4:09:35
